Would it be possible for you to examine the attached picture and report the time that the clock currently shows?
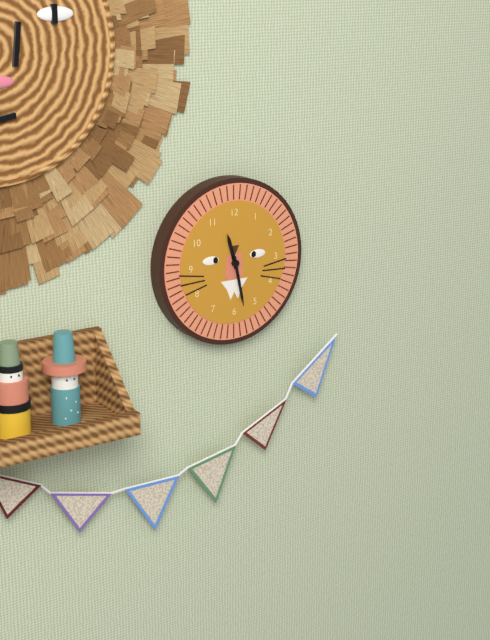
11:28
